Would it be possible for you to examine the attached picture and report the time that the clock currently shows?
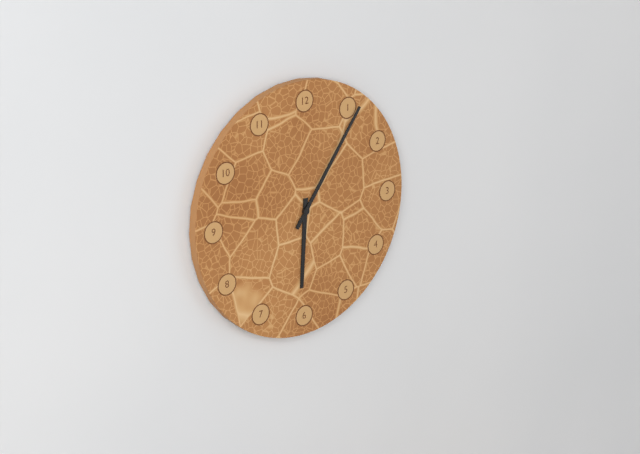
6:06
